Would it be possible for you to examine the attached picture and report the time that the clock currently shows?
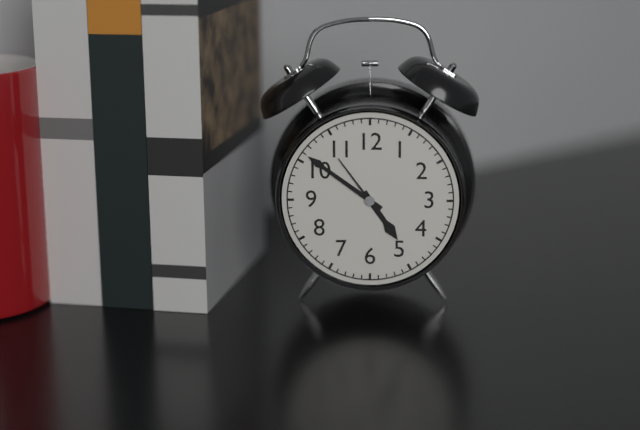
4:51:54
